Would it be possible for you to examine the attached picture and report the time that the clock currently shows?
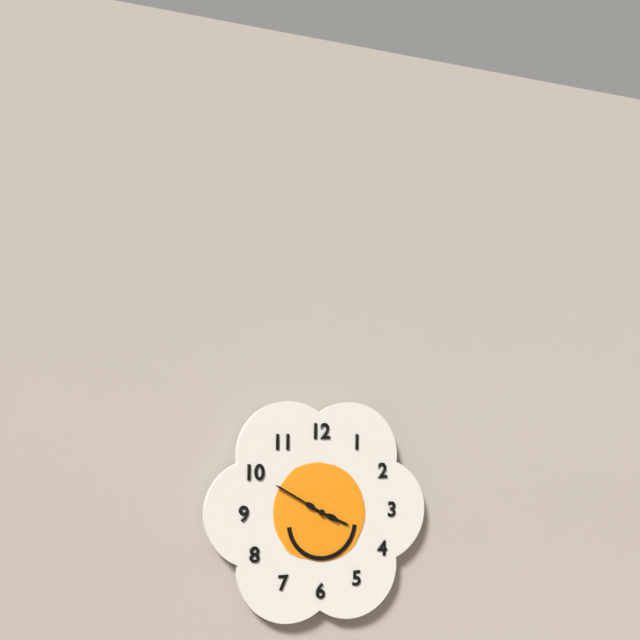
3:50
